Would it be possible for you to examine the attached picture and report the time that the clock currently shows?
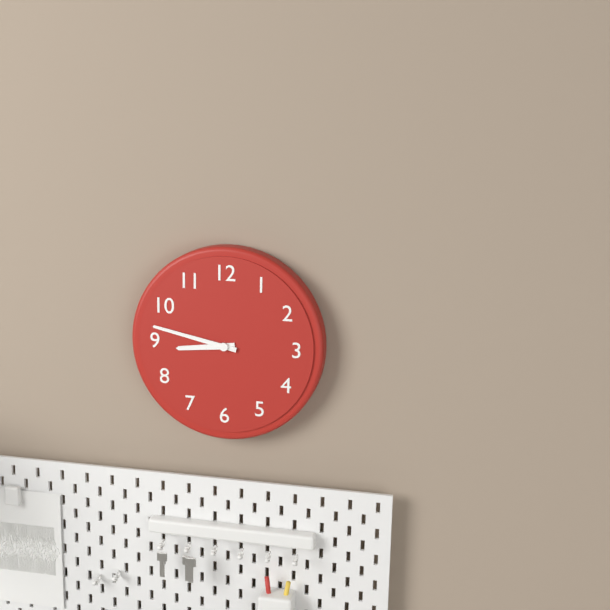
8:47
